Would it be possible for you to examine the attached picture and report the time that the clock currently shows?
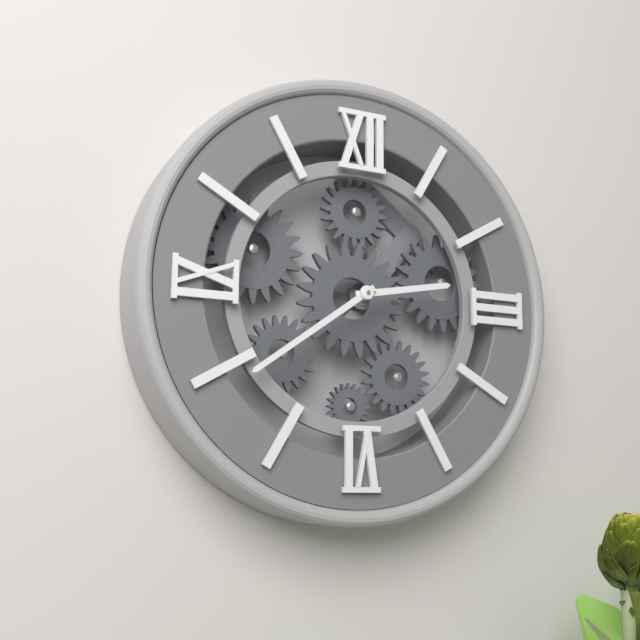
2:39
